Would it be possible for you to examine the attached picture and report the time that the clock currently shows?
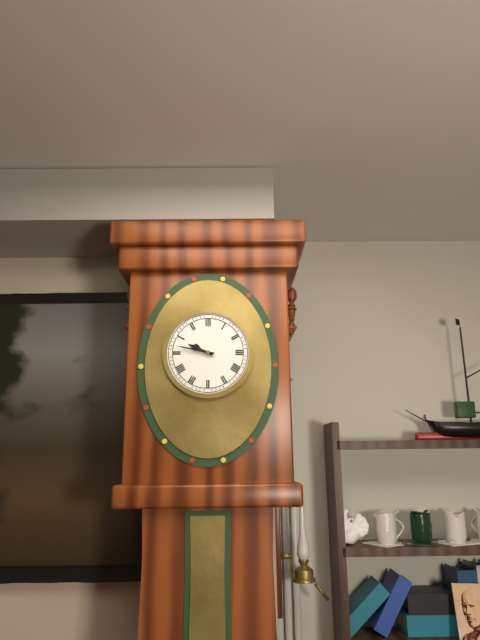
9:47
